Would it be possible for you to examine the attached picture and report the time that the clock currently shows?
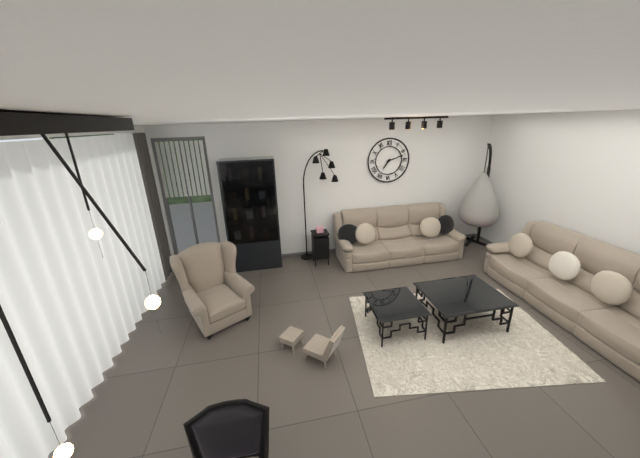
7:12
